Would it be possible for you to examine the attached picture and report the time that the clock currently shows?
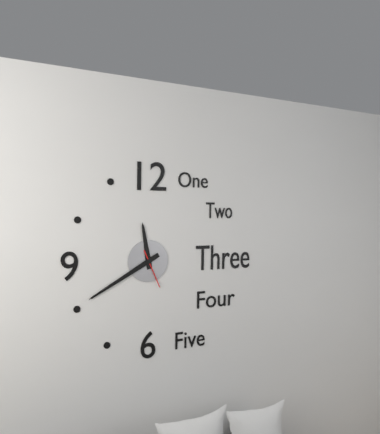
11:40
